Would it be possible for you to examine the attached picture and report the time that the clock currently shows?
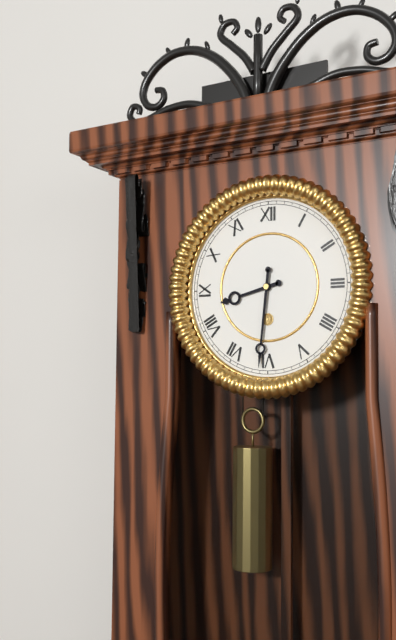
8:31
